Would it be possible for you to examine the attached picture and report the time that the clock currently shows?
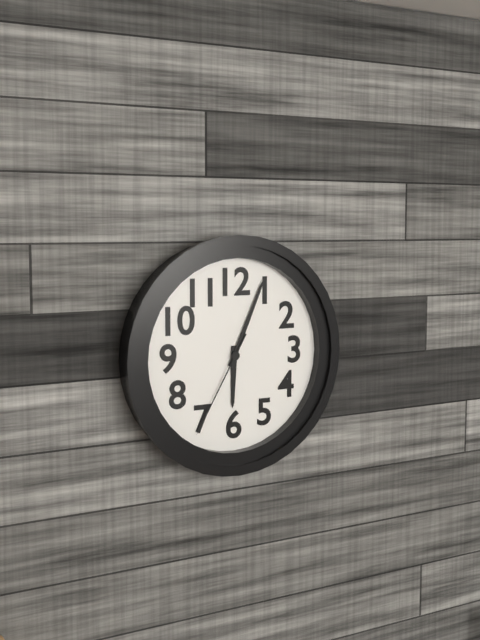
6:04:35
